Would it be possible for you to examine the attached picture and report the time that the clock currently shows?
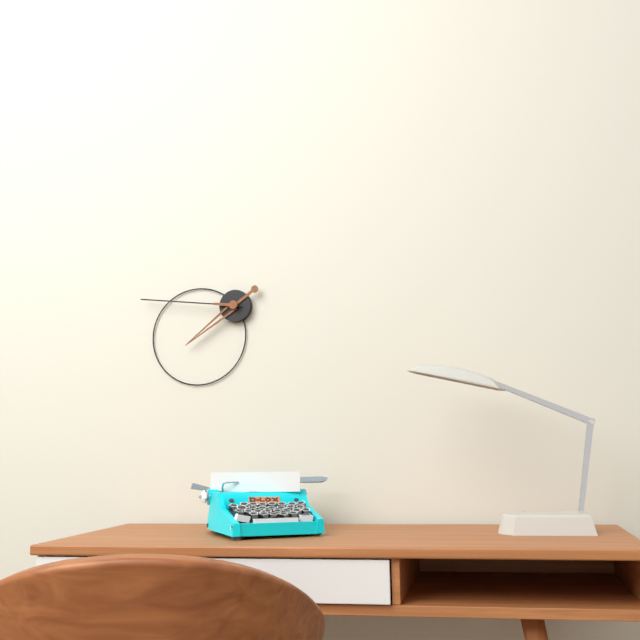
7:46
